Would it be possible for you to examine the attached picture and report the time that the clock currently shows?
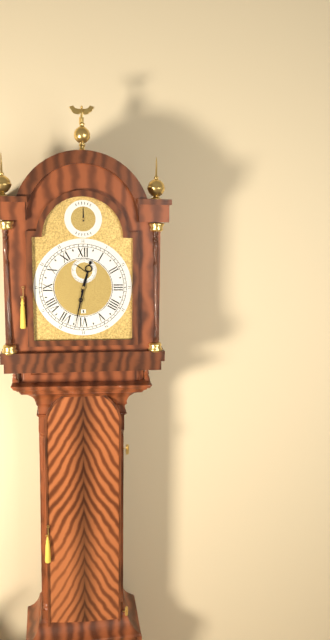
12:32
